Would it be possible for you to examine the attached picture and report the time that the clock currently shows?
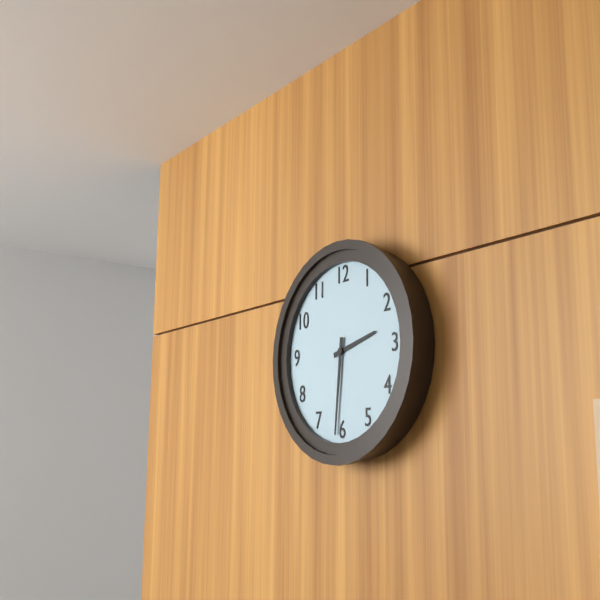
2:31
